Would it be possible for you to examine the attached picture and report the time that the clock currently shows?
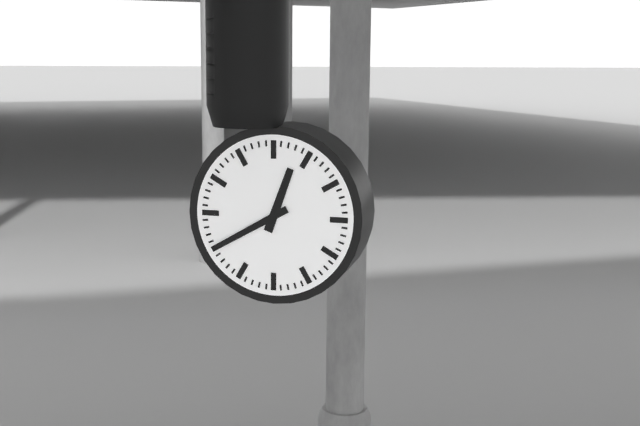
12:40
